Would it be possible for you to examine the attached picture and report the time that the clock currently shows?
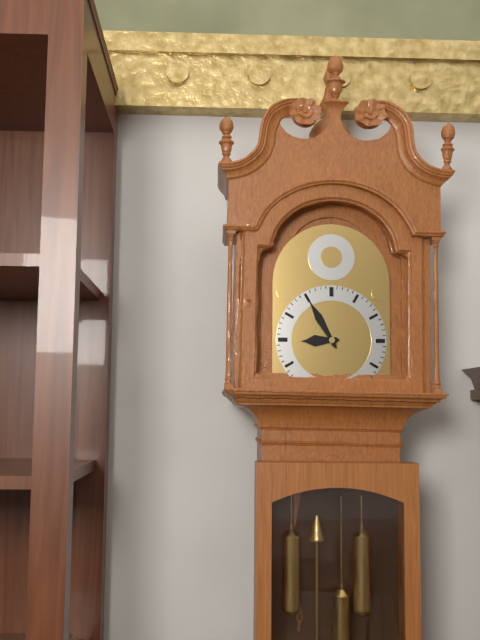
8:55
